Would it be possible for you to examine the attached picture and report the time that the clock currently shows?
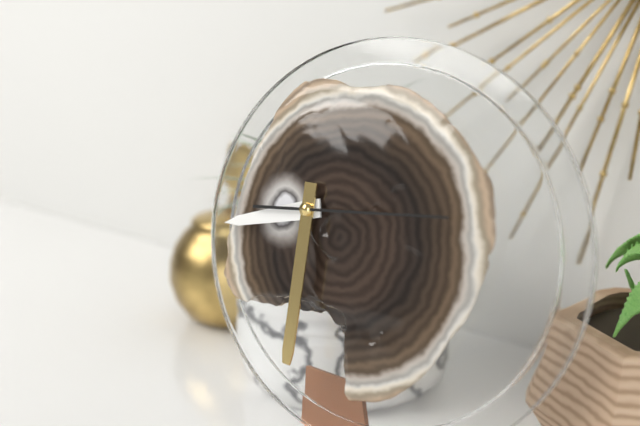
8:30:14
